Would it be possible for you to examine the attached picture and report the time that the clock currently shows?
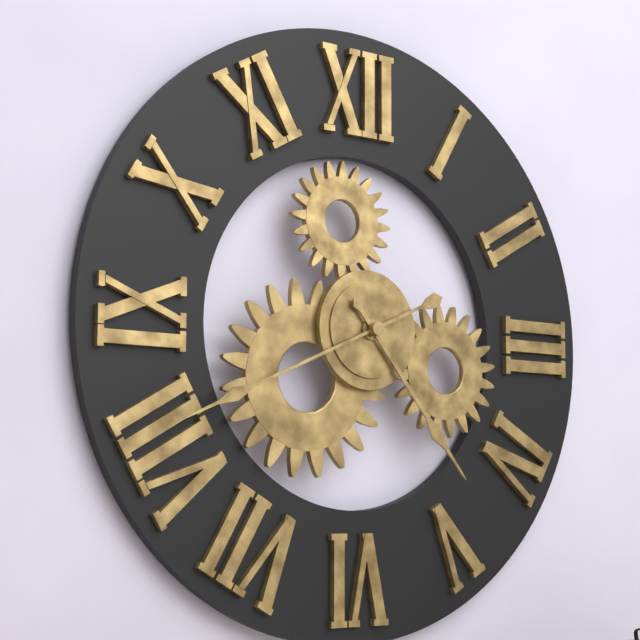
4:41
